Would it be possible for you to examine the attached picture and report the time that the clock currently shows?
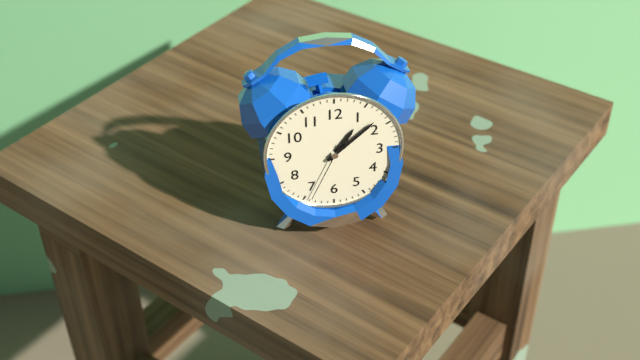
1:08:34
